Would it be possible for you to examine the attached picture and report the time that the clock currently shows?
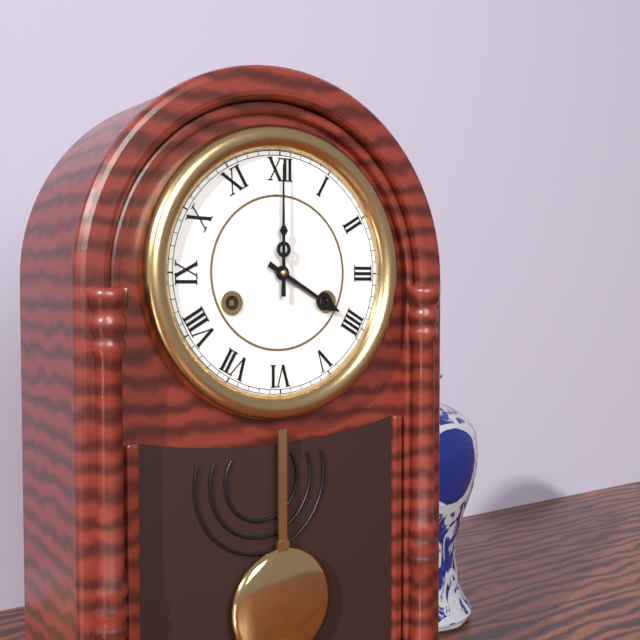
4:00
